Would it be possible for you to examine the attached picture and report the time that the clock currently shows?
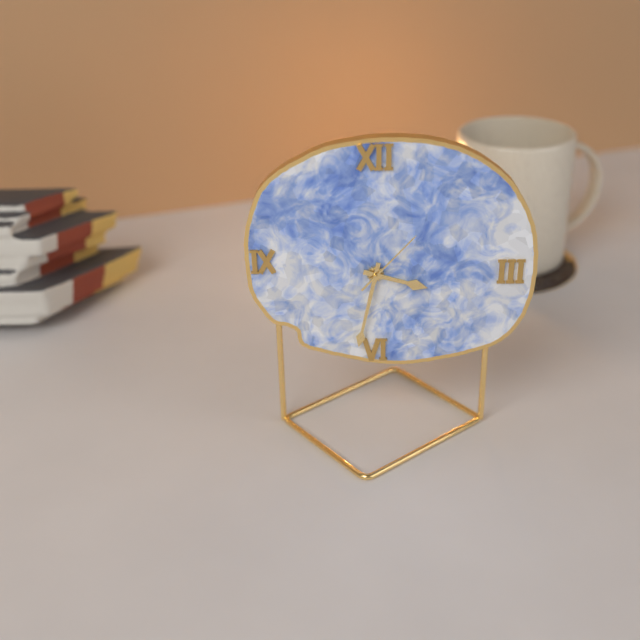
3:32:07
